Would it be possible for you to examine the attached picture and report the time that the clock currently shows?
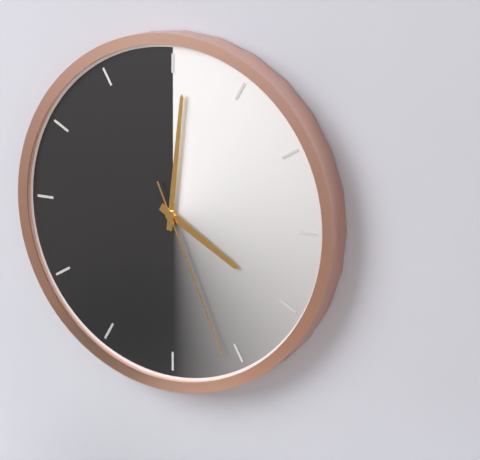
4:01:26
